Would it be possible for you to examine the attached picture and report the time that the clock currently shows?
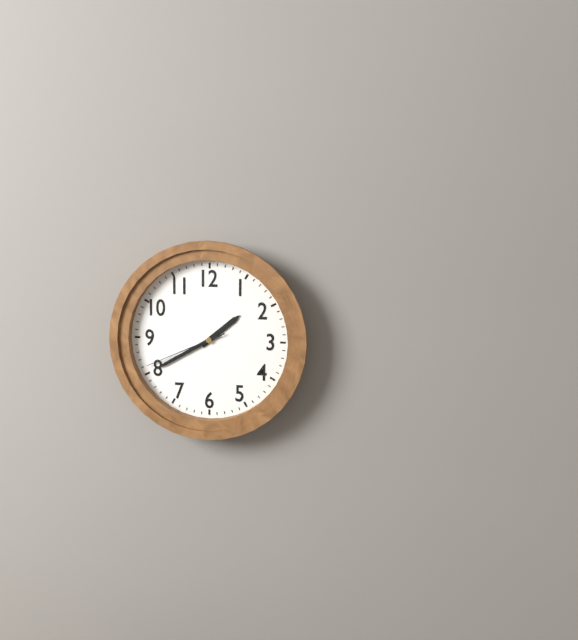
1:40:41
